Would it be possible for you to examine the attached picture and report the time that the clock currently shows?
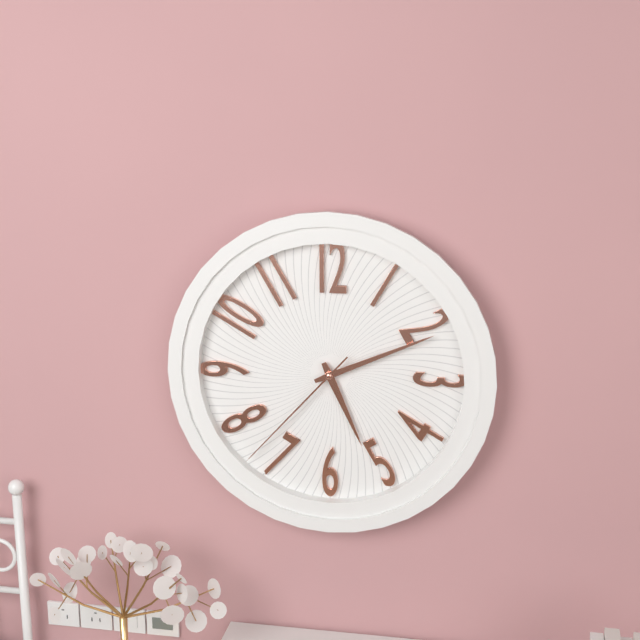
5:11:37
